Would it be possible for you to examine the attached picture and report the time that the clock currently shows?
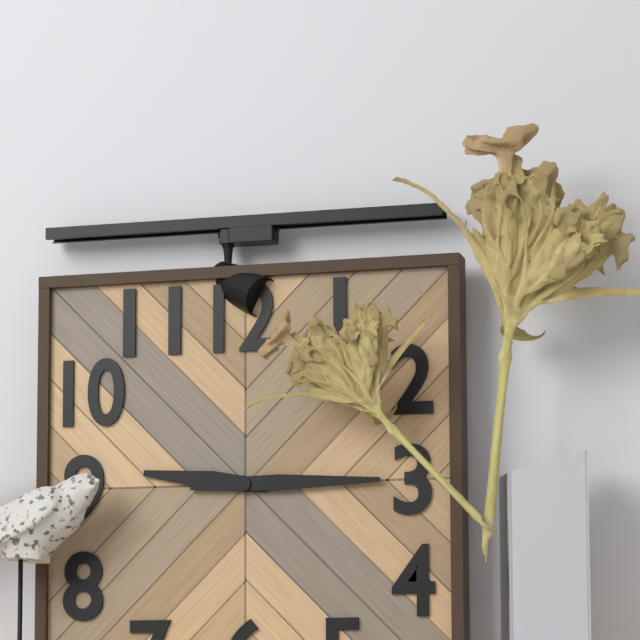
9:15
